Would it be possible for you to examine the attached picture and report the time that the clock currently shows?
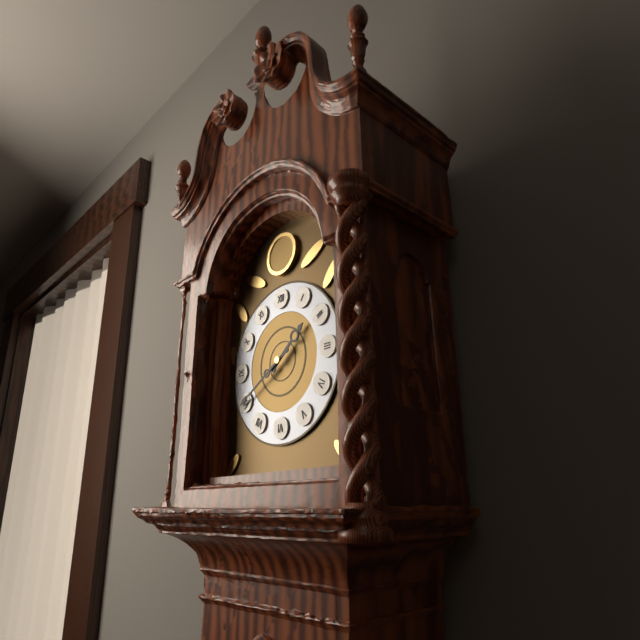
1:40
